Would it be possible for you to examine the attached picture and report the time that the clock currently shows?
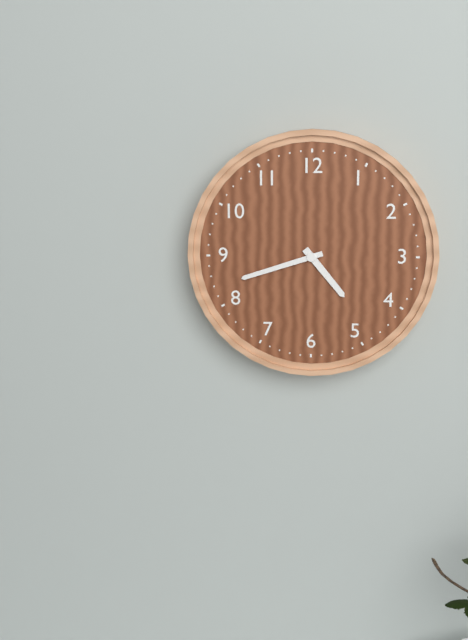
4:42
